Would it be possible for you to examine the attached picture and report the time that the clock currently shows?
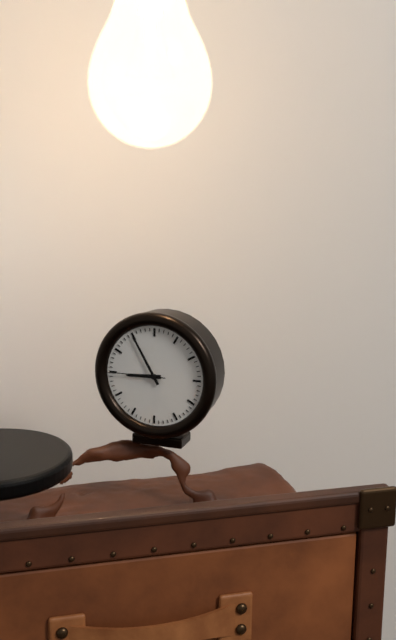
8:55:45
